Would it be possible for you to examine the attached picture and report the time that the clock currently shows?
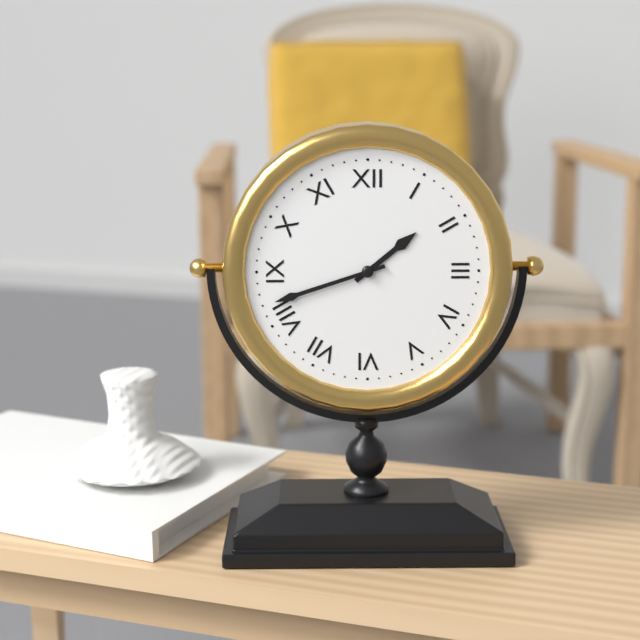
1:42
